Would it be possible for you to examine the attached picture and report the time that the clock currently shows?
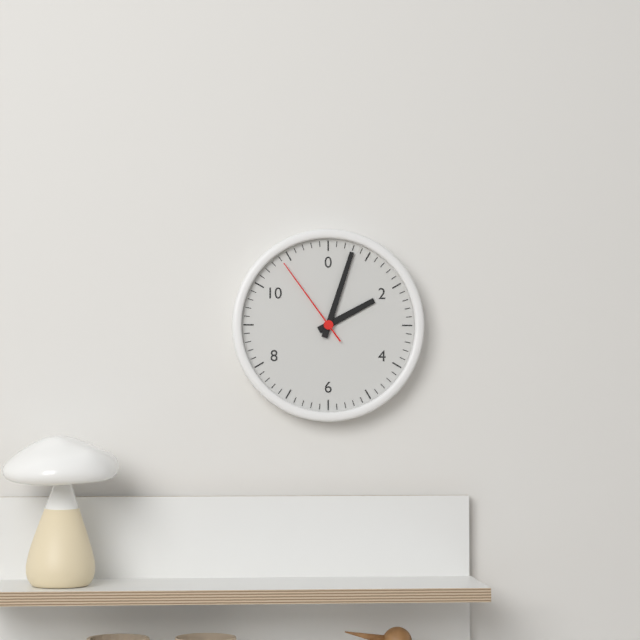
2:03:54
